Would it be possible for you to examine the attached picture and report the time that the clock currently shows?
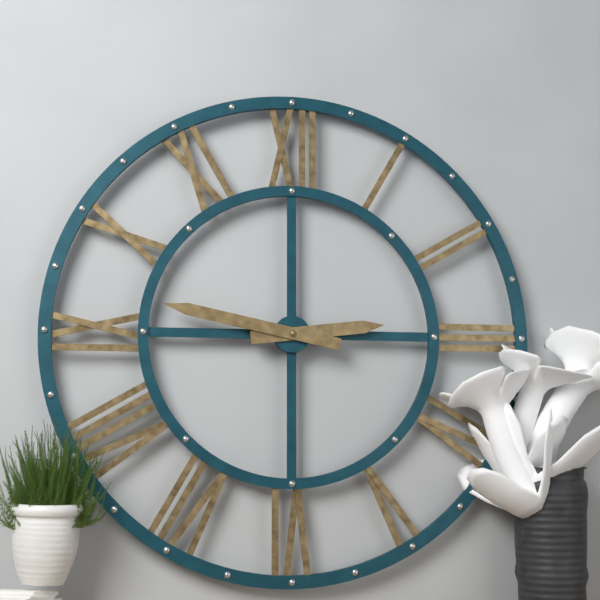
2:47
